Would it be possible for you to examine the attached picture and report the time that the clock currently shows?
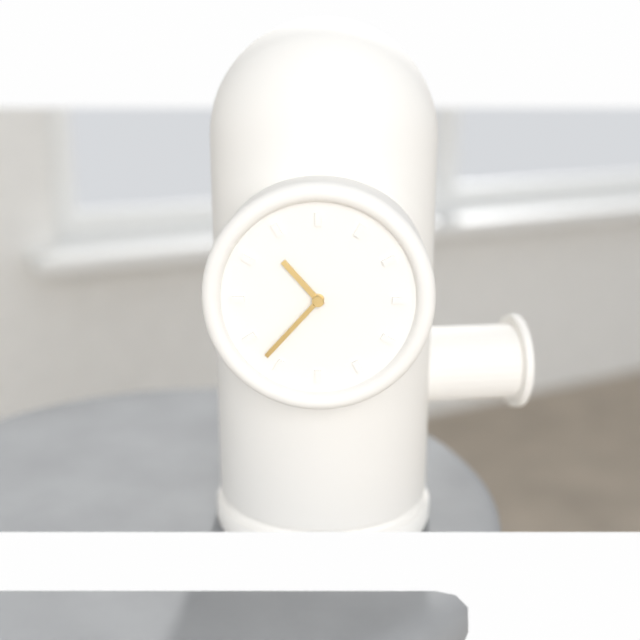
10:37
